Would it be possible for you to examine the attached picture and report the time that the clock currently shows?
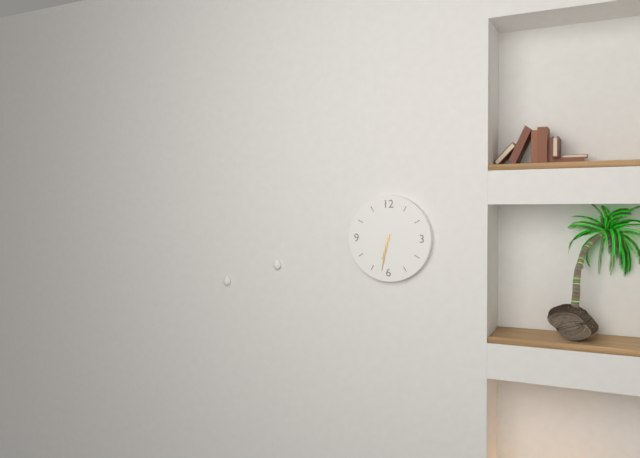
6:32
